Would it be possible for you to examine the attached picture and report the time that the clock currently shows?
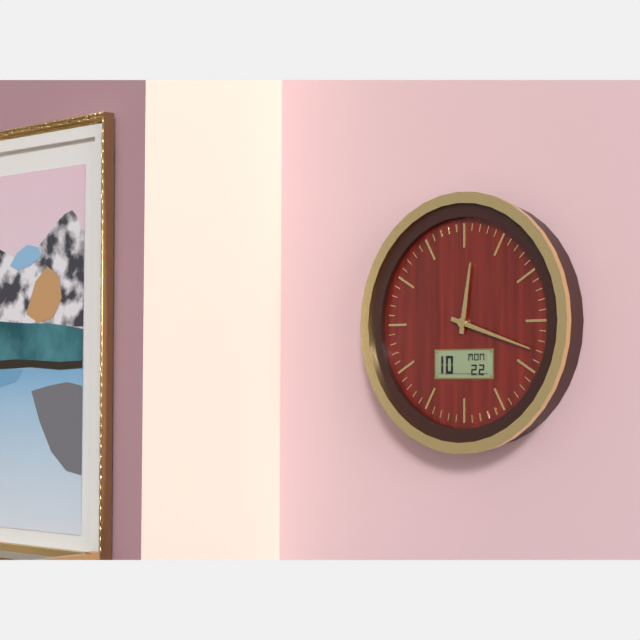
12:18
